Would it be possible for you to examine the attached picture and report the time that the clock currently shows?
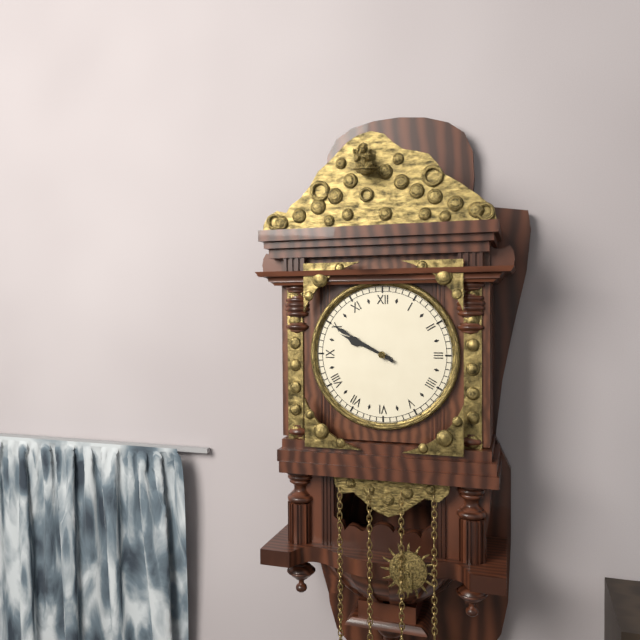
9:50
